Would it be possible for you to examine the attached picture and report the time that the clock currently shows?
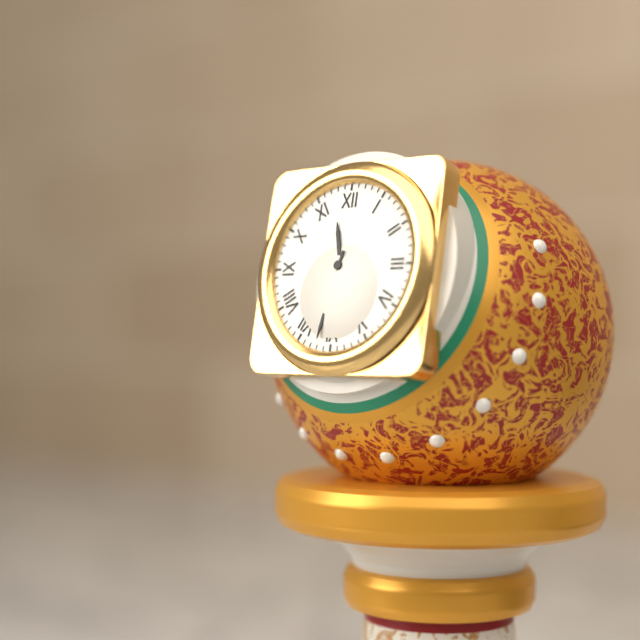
11:32
